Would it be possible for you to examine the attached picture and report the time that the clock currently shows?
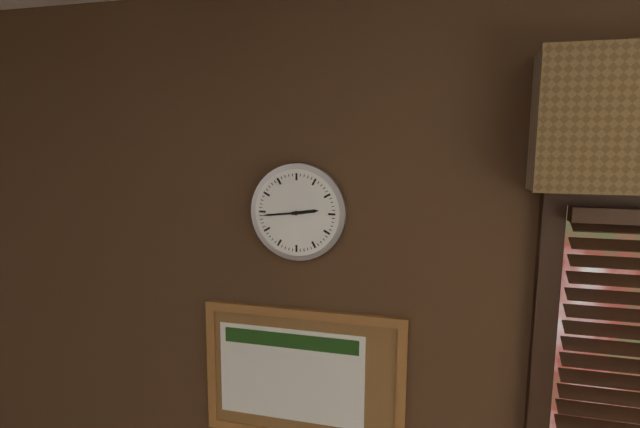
2:44
